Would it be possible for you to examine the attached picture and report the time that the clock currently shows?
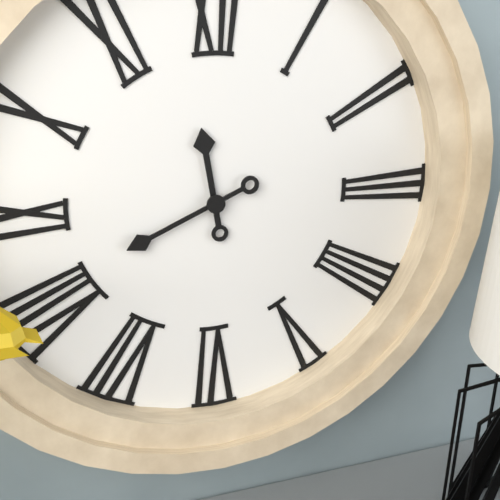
11:41
